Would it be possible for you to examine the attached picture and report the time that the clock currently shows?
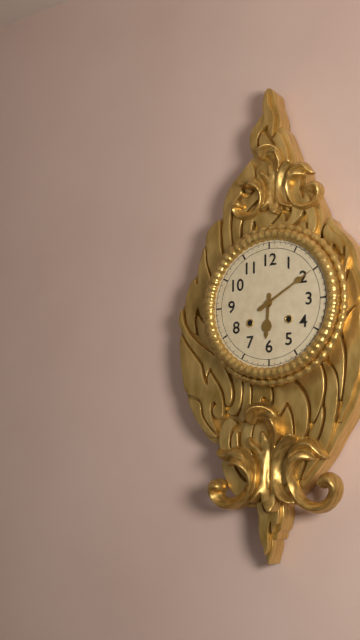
6:10
